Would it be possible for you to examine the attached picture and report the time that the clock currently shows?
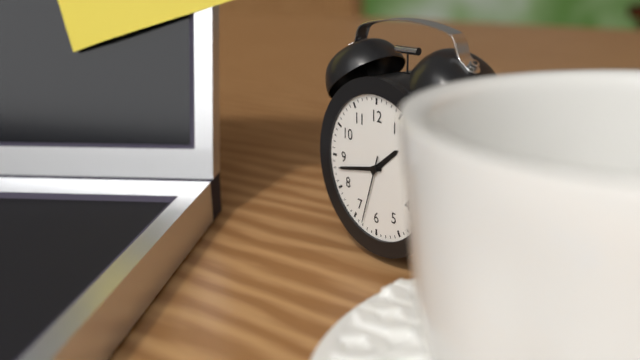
1:43:33
